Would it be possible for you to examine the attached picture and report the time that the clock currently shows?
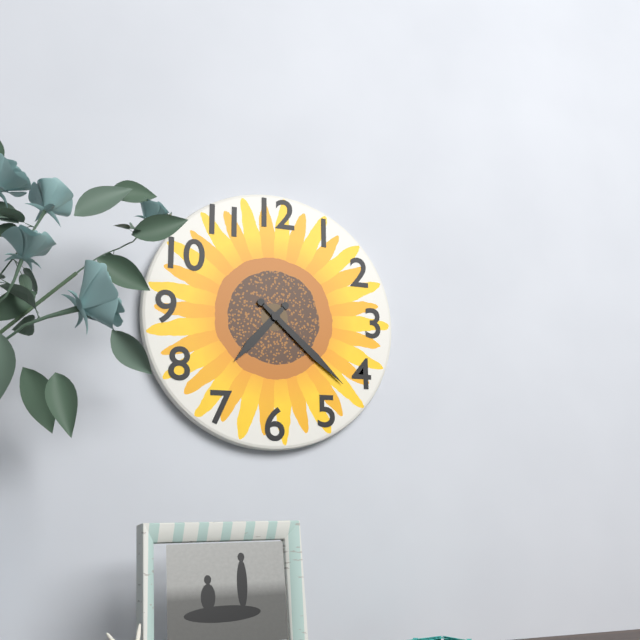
7:22
